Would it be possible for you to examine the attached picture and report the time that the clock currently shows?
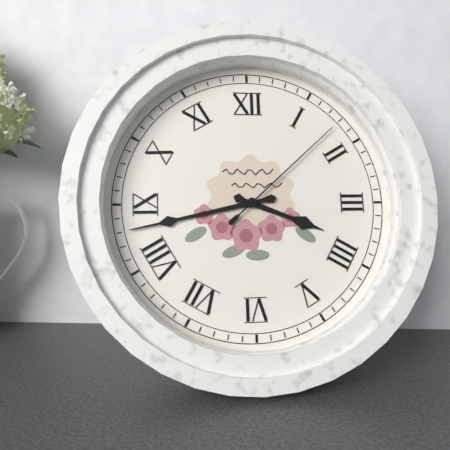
3:43:08
